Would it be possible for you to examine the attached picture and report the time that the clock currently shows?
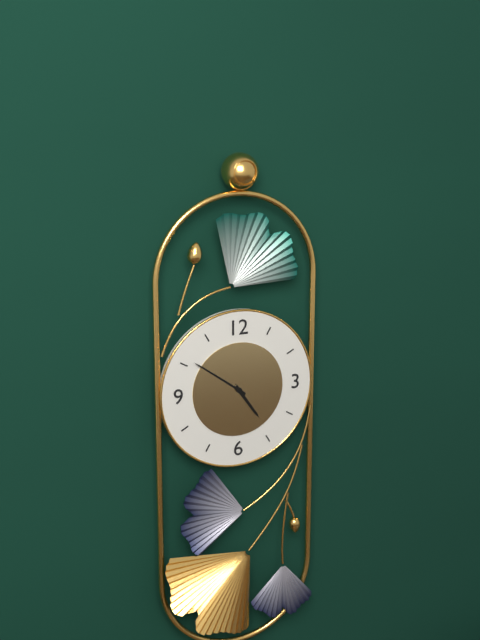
4:51
